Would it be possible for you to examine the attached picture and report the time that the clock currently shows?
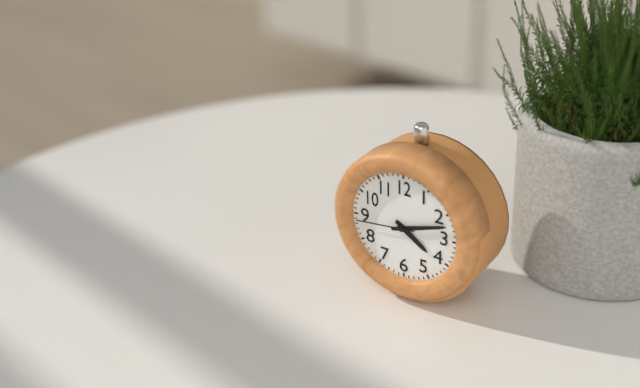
4:12:44
